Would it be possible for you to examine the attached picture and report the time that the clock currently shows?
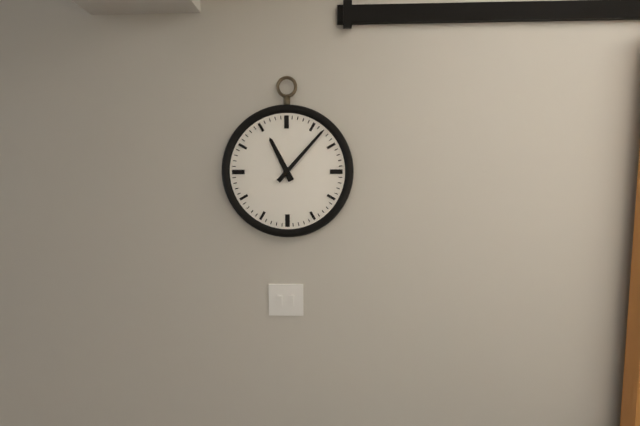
11:07
